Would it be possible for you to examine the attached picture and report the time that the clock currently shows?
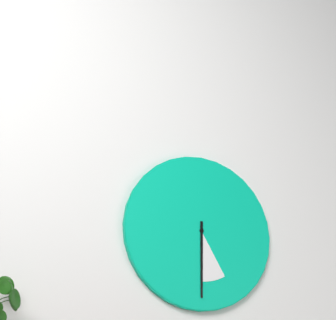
5:30
